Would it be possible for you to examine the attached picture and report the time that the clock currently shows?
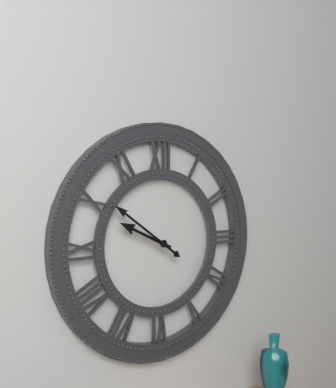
9:51
